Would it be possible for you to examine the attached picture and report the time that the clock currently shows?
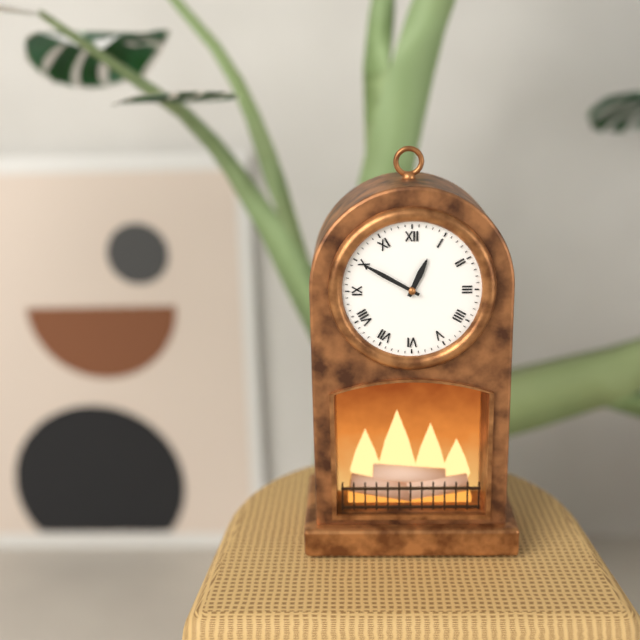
12:50
